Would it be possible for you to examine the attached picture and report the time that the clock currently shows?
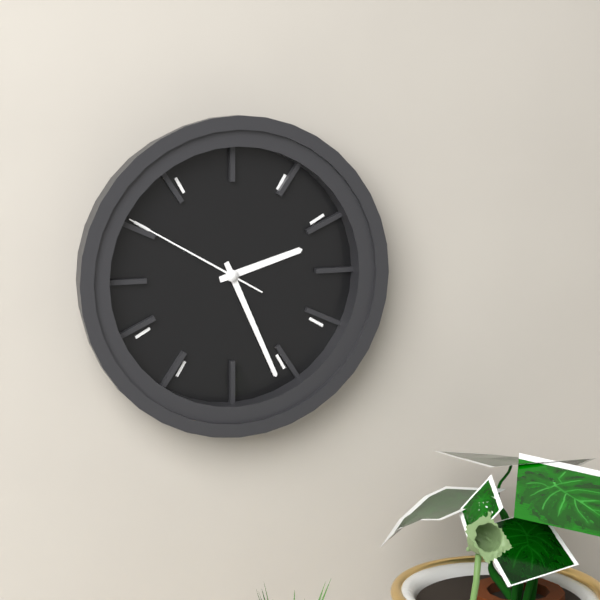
2:26:50
